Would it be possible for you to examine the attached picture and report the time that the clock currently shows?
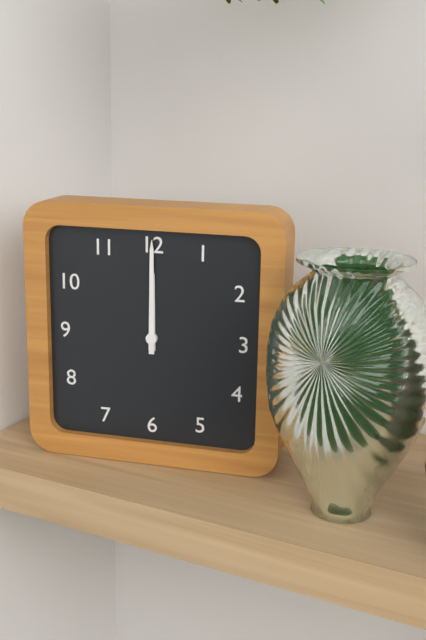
12:00
